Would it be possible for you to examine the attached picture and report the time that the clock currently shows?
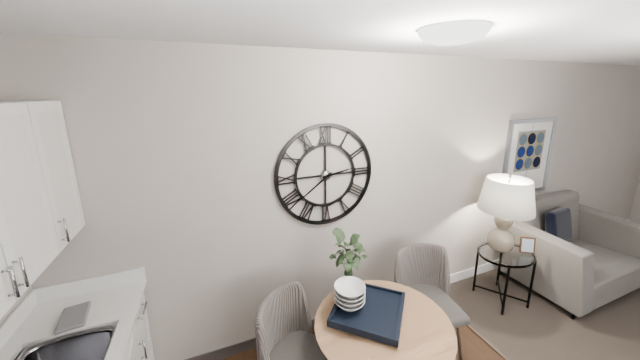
2:39
